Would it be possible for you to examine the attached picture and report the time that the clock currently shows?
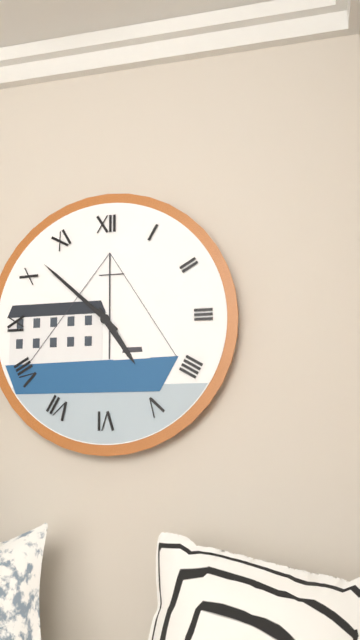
4:52
